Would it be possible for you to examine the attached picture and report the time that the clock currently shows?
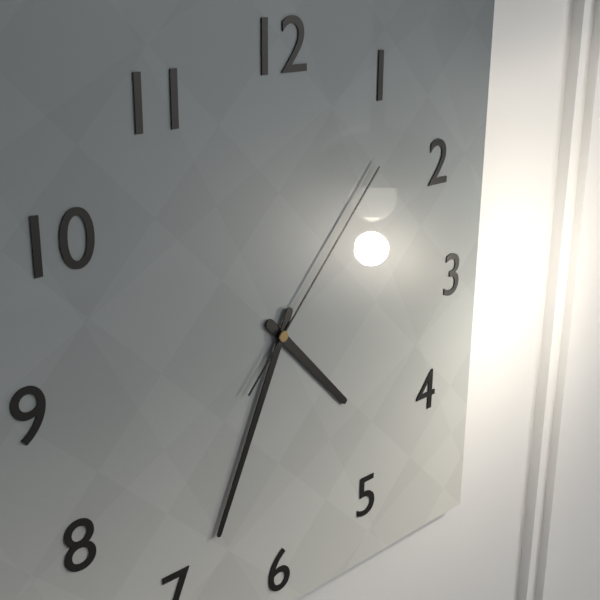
4:34:07
